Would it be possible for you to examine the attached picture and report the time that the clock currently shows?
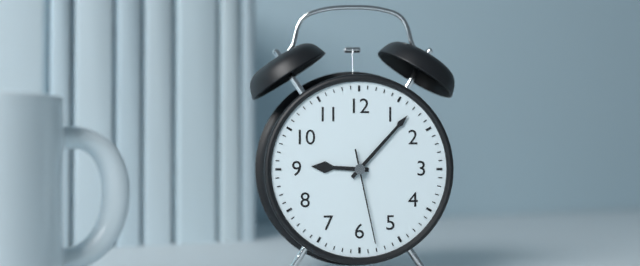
9:07:28
